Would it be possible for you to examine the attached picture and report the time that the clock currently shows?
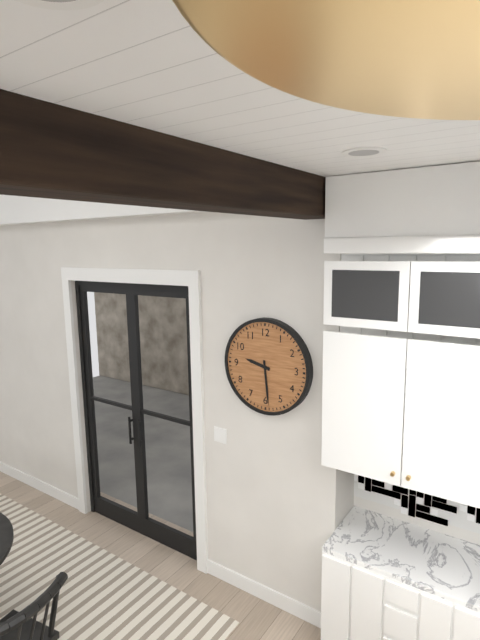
9:29
